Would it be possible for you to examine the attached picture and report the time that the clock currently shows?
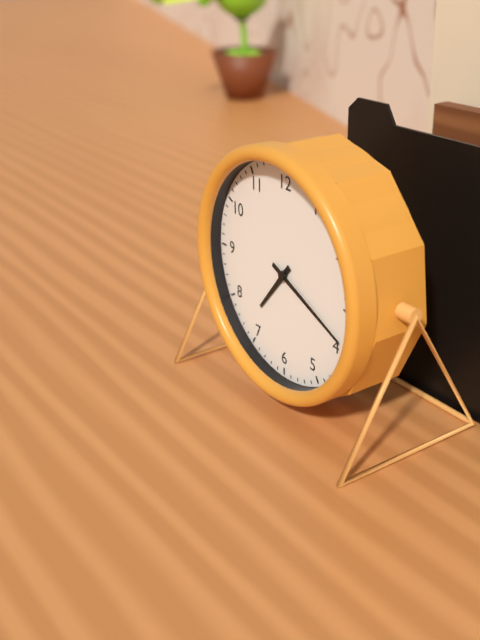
7:19
